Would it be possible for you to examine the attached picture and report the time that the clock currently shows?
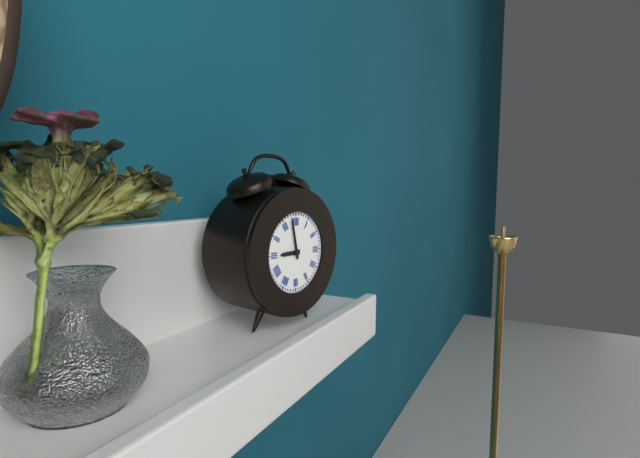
8:58
